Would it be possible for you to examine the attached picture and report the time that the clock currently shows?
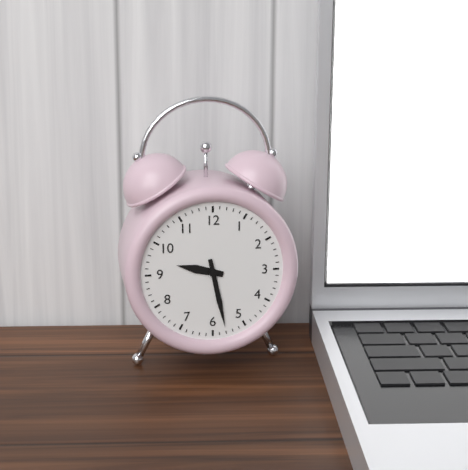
9:28
